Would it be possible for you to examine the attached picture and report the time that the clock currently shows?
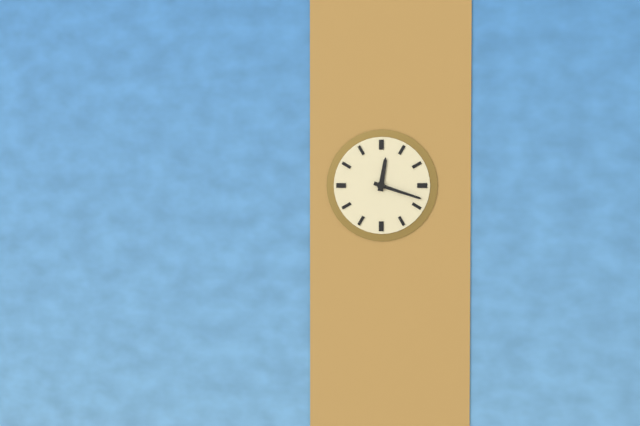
12:18
